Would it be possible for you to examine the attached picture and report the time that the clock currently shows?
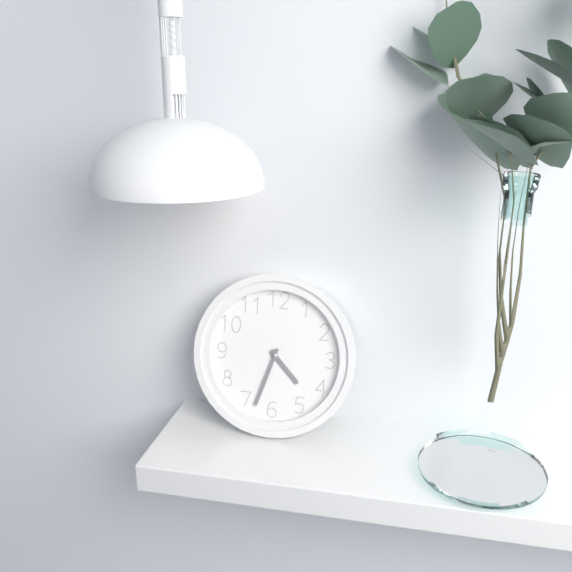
4:33
